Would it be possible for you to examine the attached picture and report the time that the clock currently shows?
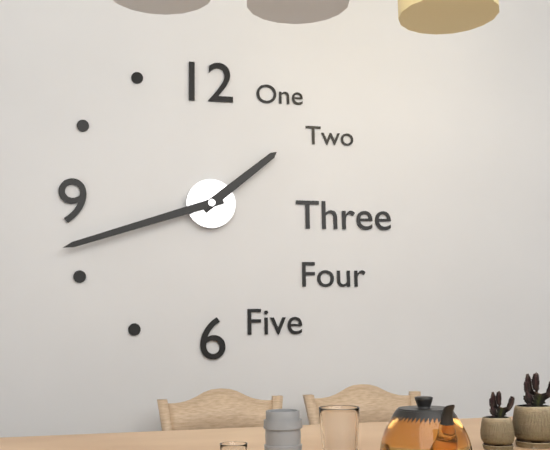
1:42
